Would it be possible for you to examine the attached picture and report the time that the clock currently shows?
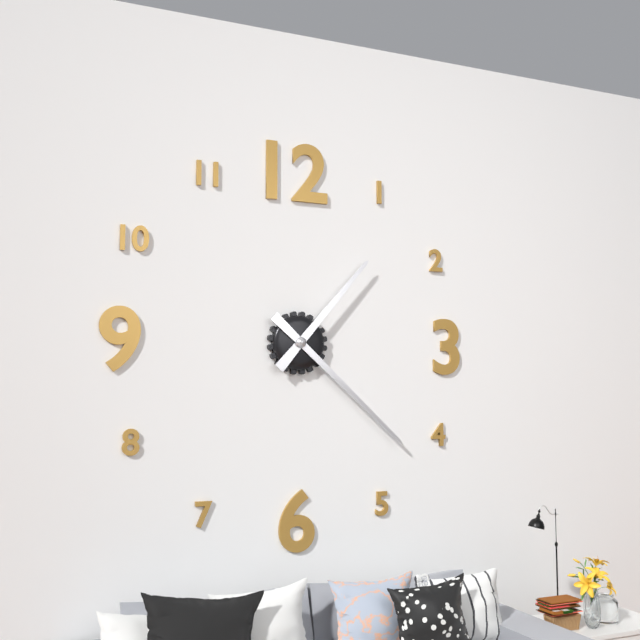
1:22
